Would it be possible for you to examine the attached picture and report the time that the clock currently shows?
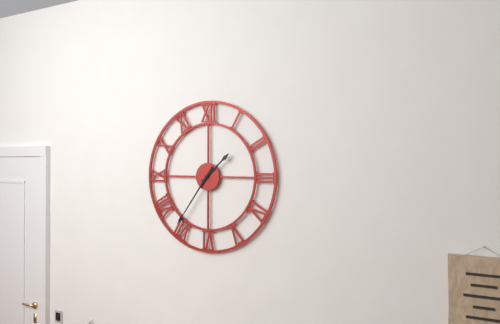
1:36
